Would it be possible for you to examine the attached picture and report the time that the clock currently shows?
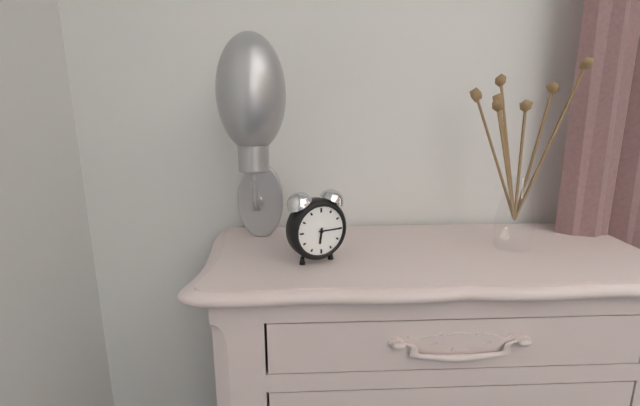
6:15
